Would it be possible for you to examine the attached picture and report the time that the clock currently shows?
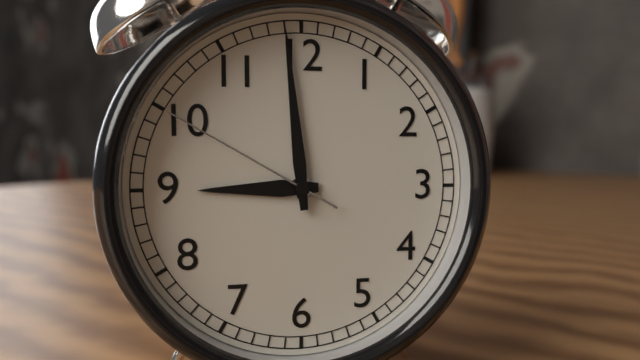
8:59:50
